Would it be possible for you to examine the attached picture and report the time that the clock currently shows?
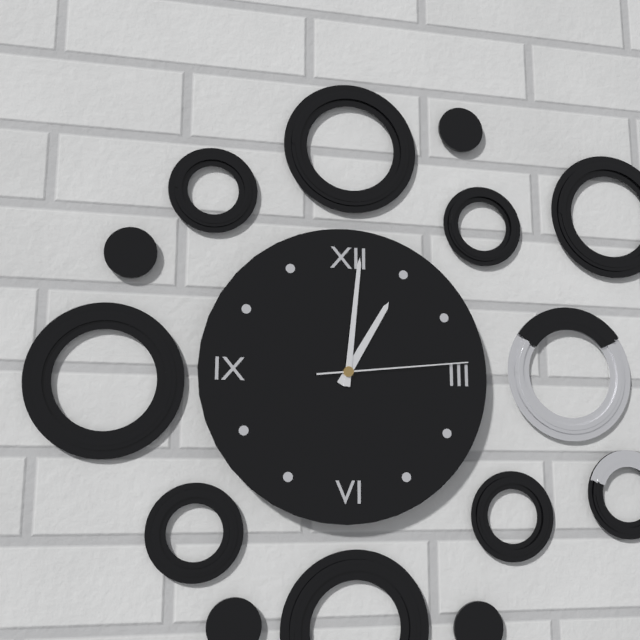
1:01:14
